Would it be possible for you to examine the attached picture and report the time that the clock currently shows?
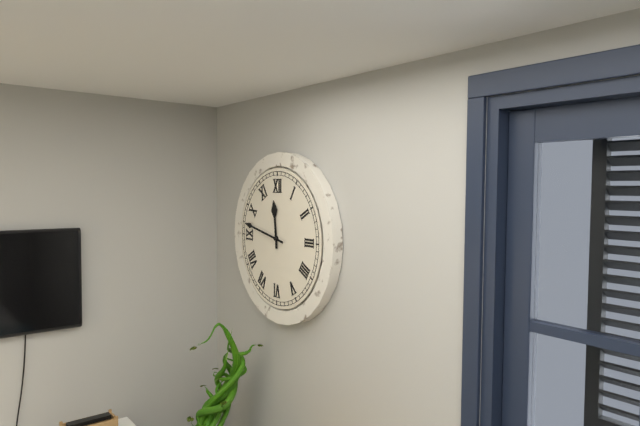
11:47
